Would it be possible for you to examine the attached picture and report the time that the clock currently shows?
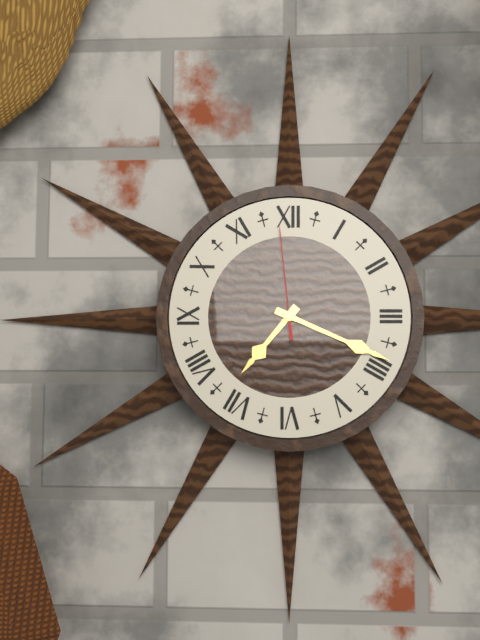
7:19:59
